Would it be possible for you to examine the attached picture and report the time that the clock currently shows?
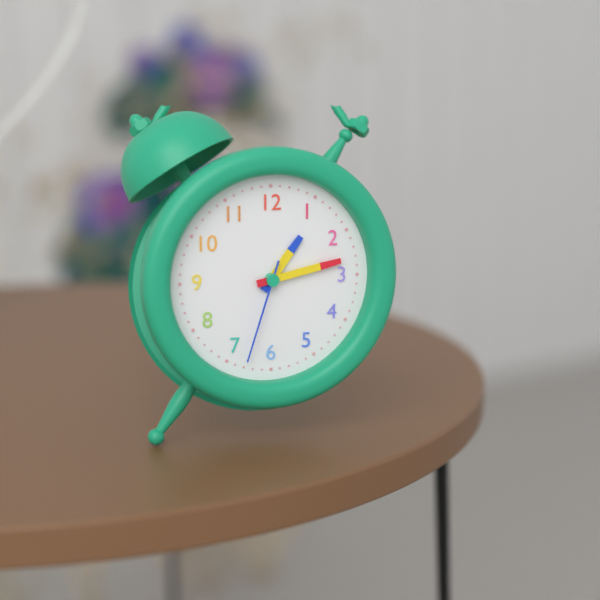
1:13:33
